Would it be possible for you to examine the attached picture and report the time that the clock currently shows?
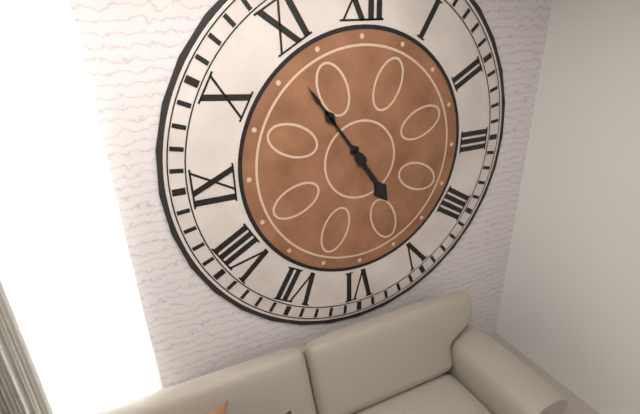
4:54
